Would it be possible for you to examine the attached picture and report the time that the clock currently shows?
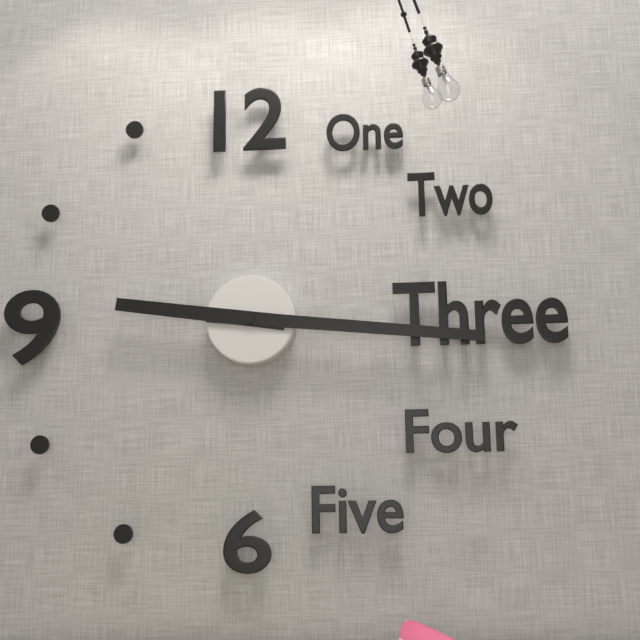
9:16
